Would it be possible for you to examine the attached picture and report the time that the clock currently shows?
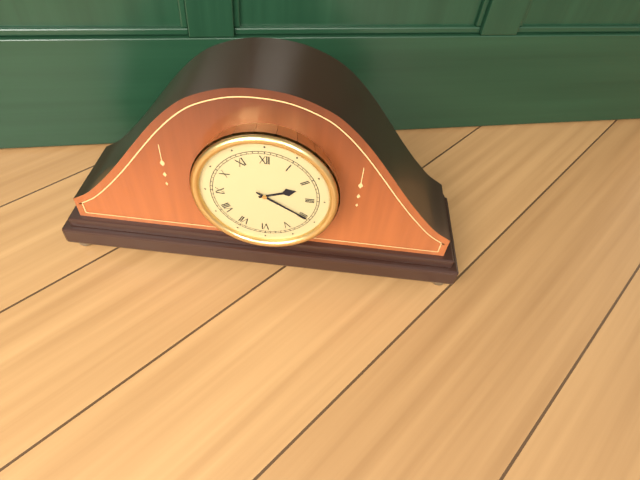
2:20
